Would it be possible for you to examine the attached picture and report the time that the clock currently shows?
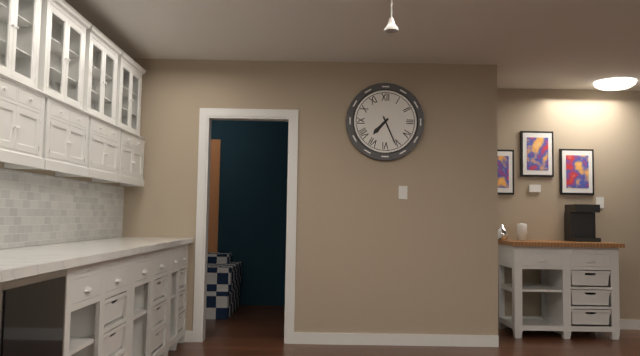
7:26
